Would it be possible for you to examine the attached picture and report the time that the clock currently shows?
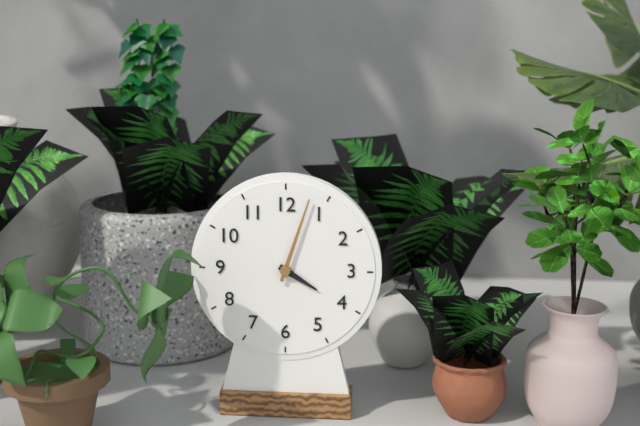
4:03
